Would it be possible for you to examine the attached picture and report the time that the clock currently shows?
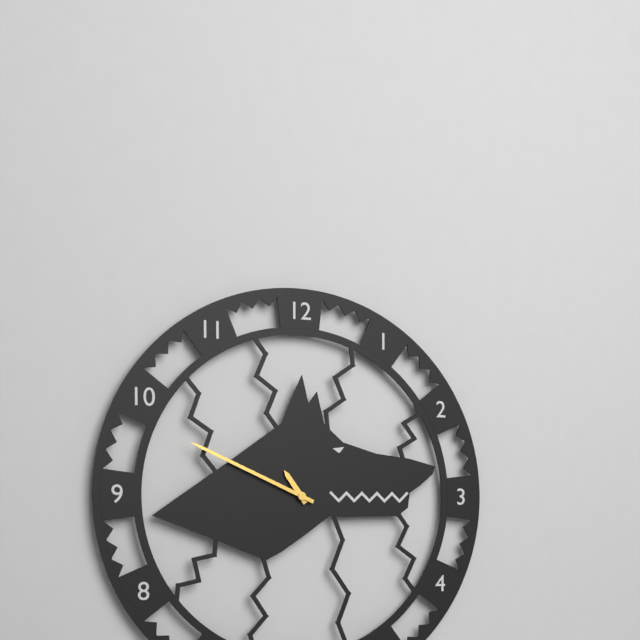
10:49
